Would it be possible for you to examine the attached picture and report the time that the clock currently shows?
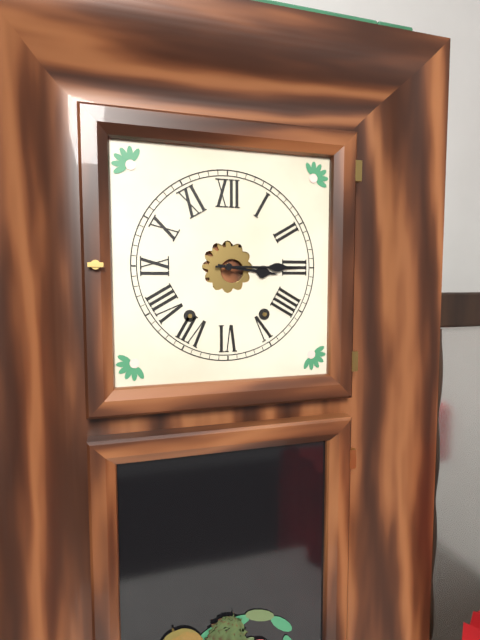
3:15
